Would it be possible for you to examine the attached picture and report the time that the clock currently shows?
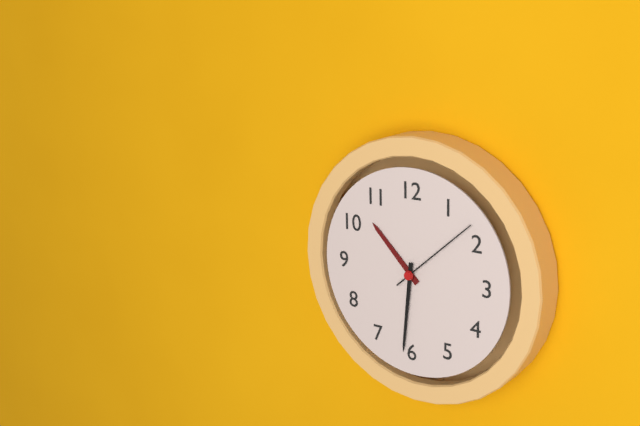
10:31:08
